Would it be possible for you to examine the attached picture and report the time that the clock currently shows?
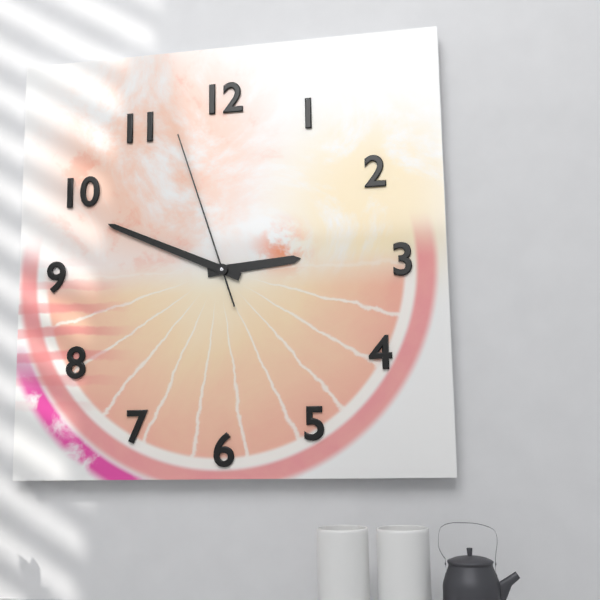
2:49:57
